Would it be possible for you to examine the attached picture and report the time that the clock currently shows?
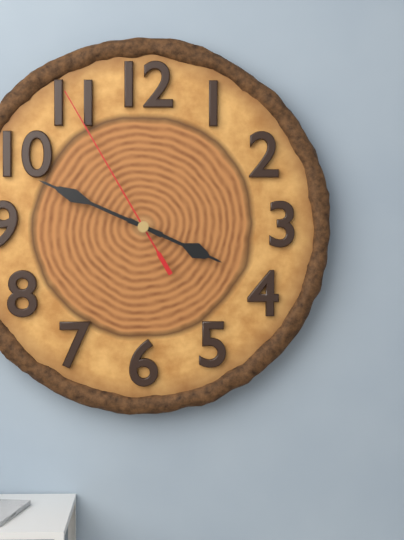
3:49:55
